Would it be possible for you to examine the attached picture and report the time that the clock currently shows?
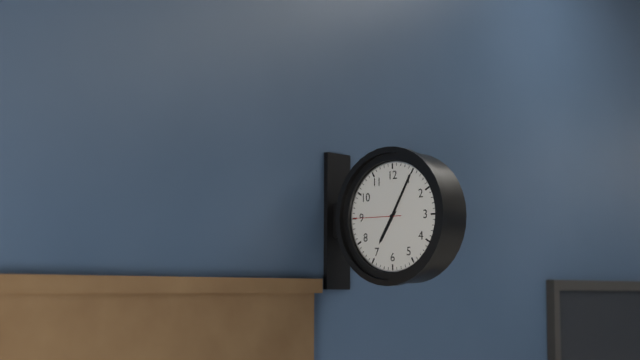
7:05
